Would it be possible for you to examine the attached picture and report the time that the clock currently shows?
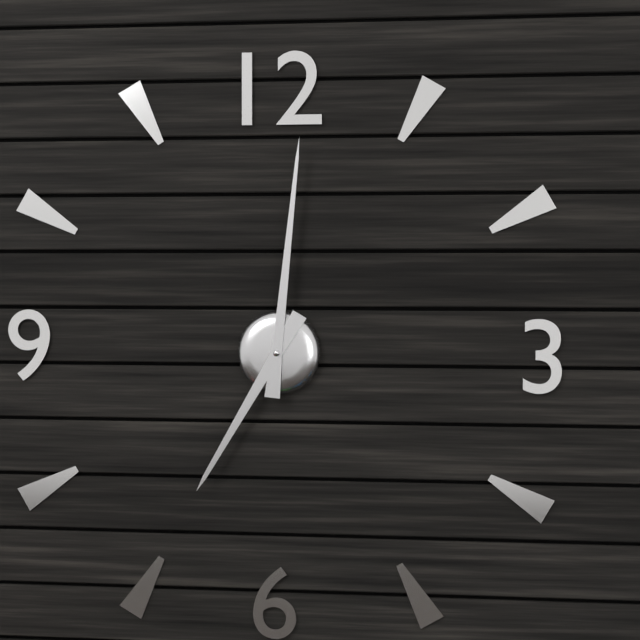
7:01
